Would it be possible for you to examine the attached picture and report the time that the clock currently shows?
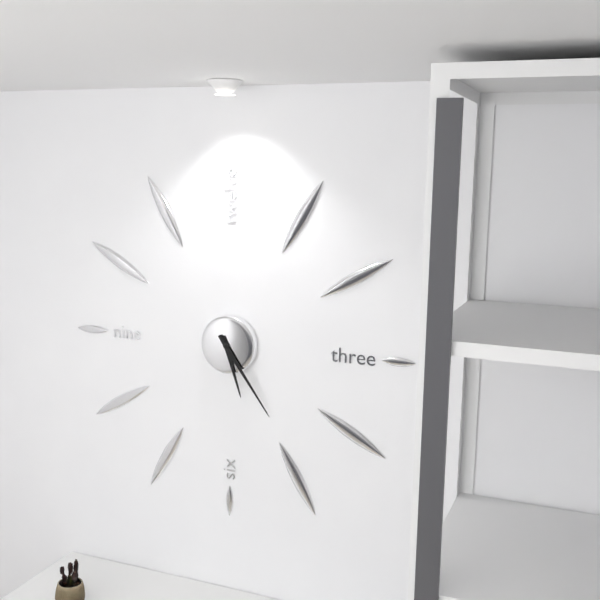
5:24
